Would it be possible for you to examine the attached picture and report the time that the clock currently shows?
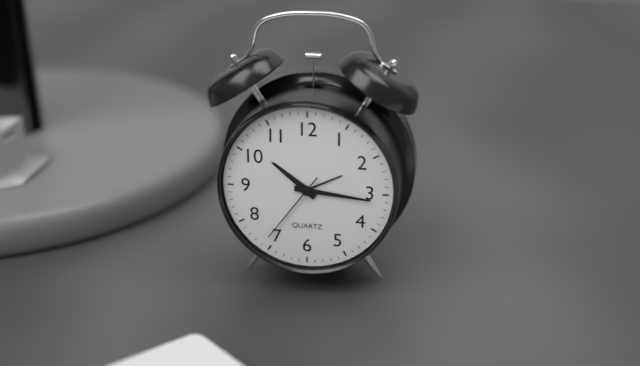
10:16:36
